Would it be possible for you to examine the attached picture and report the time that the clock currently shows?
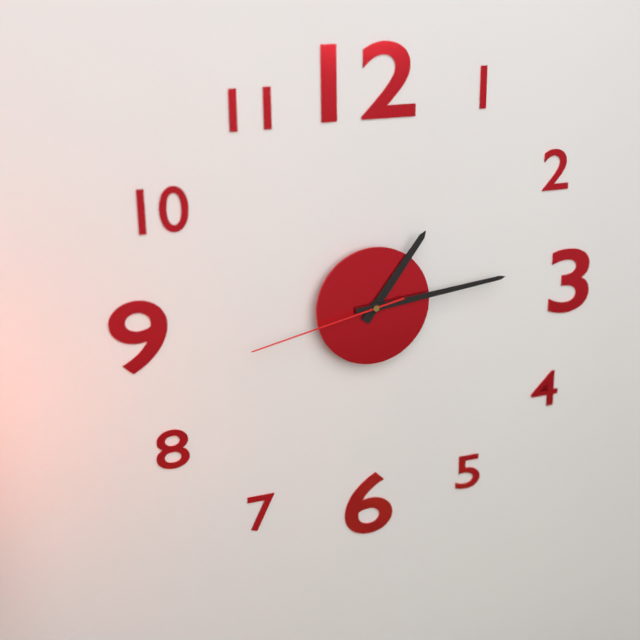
1:14:43
